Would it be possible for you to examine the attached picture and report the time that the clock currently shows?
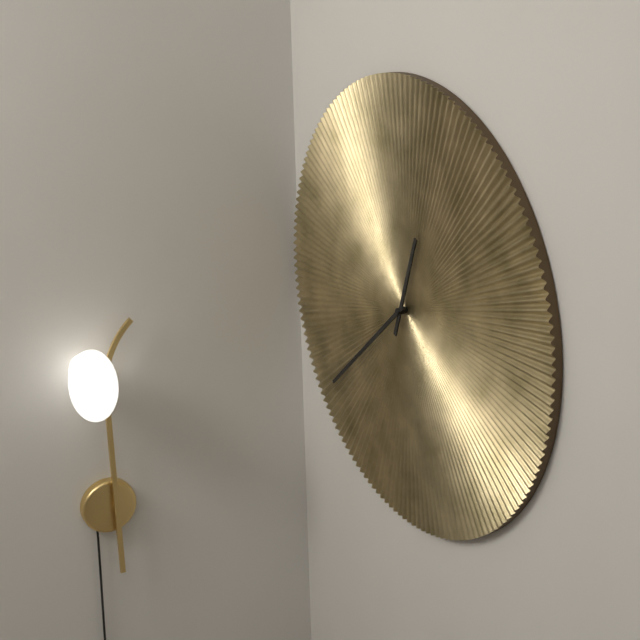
12:38
